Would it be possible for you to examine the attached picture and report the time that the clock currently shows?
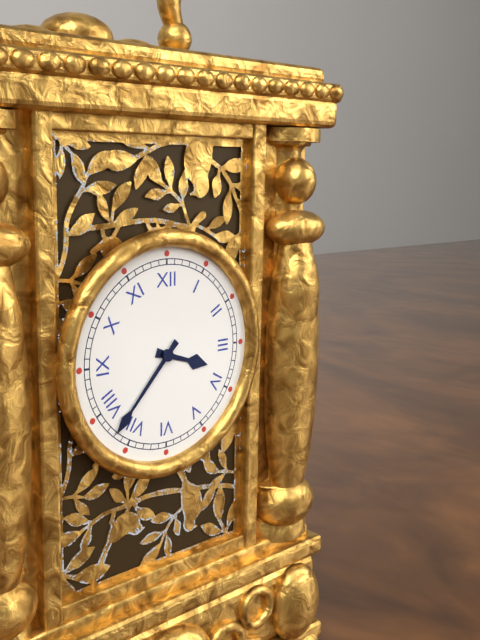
3:37
